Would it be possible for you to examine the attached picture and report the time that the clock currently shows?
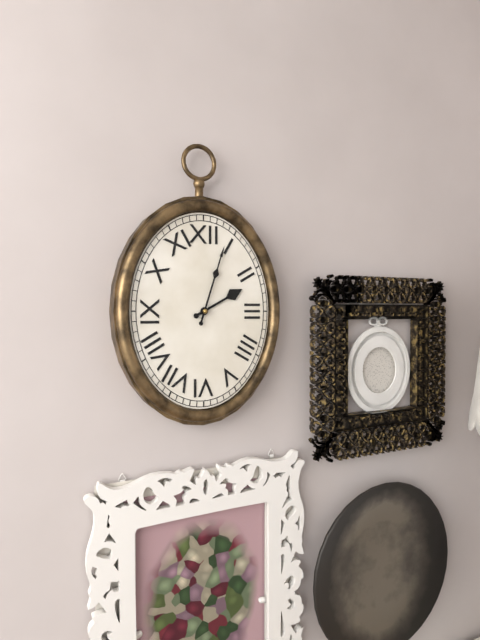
2:03
